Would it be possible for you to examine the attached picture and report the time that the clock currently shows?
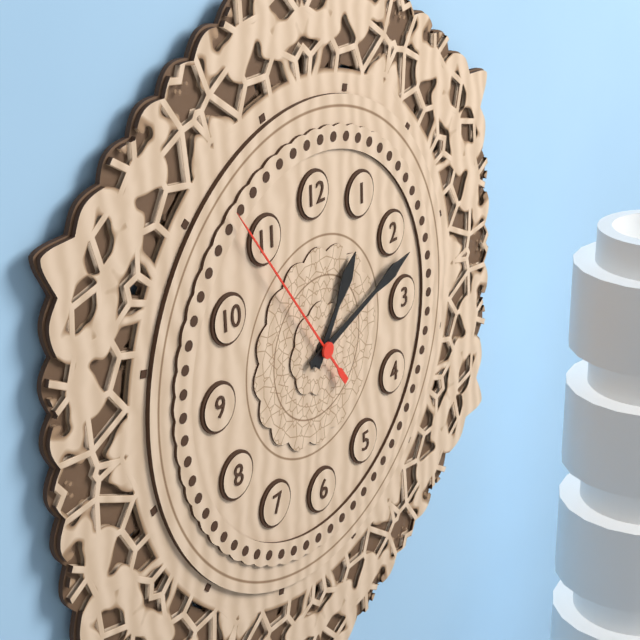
1:12:54
